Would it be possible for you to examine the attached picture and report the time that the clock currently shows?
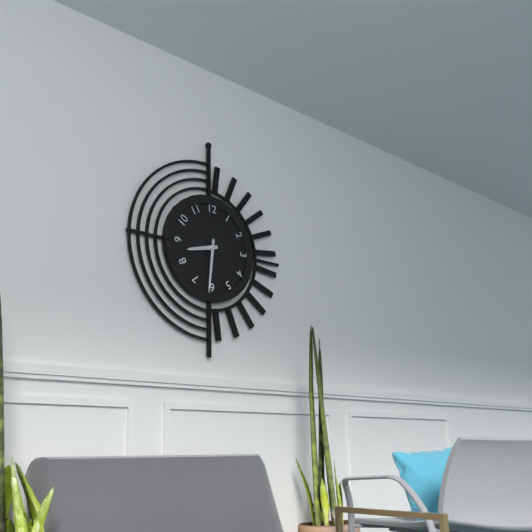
8:31
